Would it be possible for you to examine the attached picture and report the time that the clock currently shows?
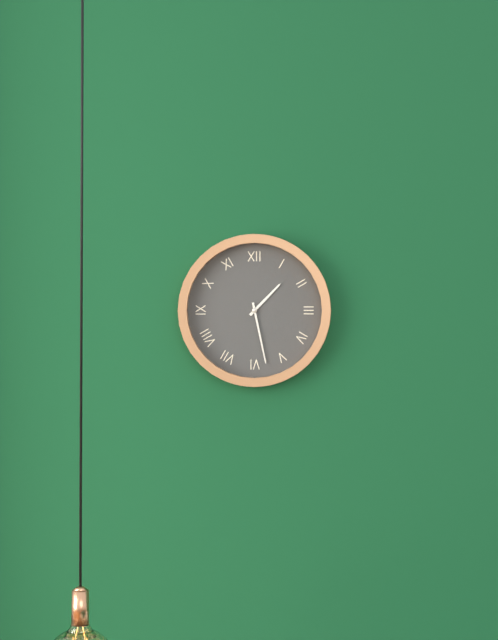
1:28
